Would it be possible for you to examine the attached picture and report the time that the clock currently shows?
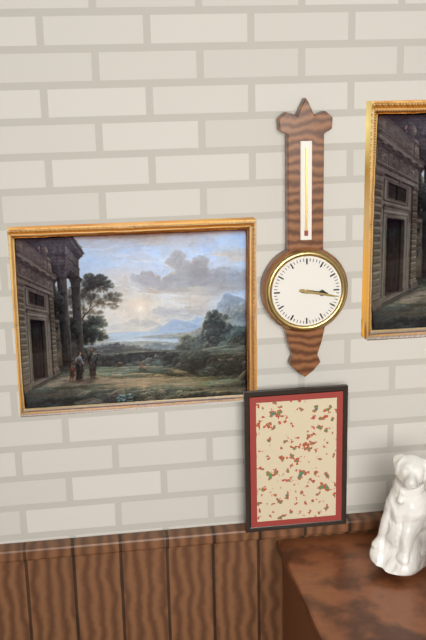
3:17
